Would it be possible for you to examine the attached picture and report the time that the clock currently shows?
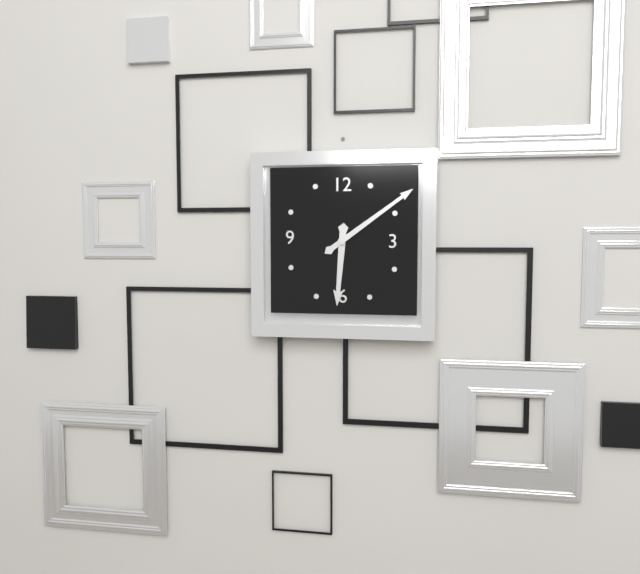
6:09
